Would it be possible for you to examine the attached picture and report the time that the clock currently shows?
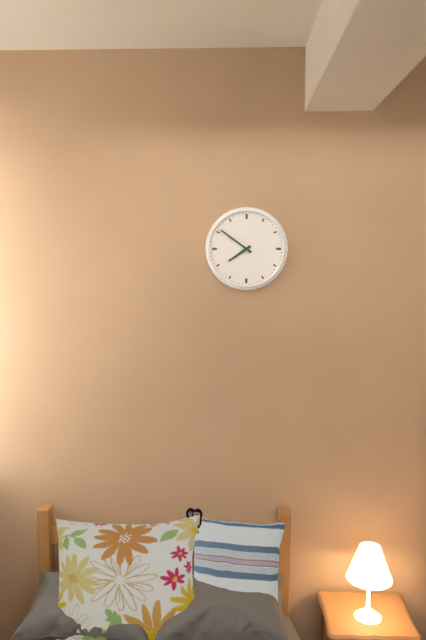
7:51
